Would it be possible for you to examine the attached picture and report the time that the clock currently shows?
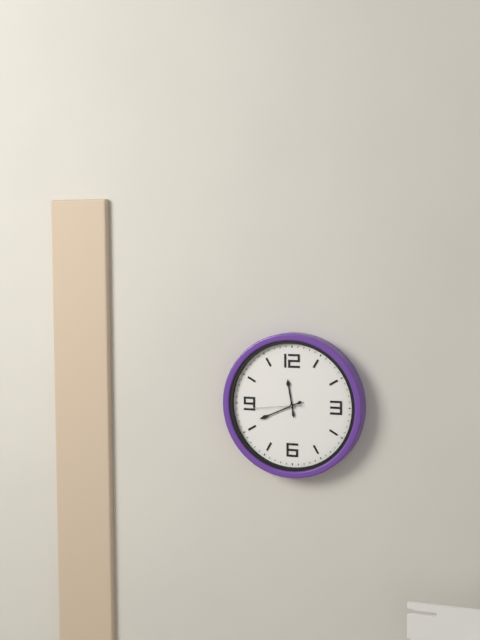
11:41:44
